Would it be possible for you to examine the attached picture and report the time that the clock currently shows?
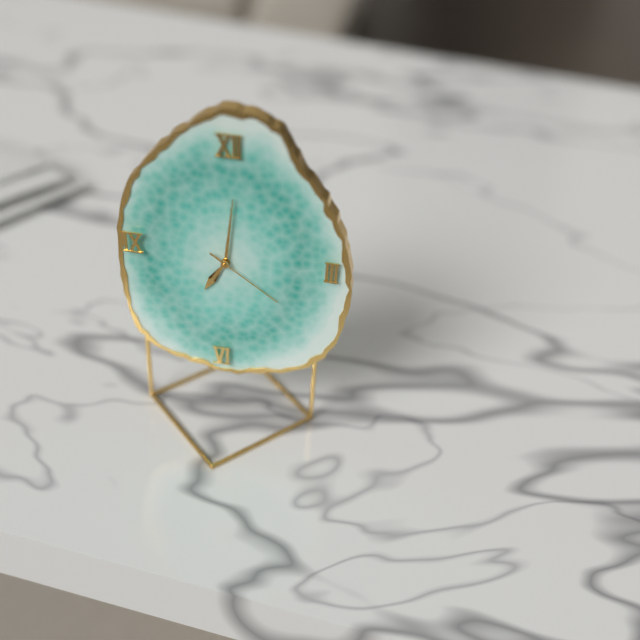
7:01:21
